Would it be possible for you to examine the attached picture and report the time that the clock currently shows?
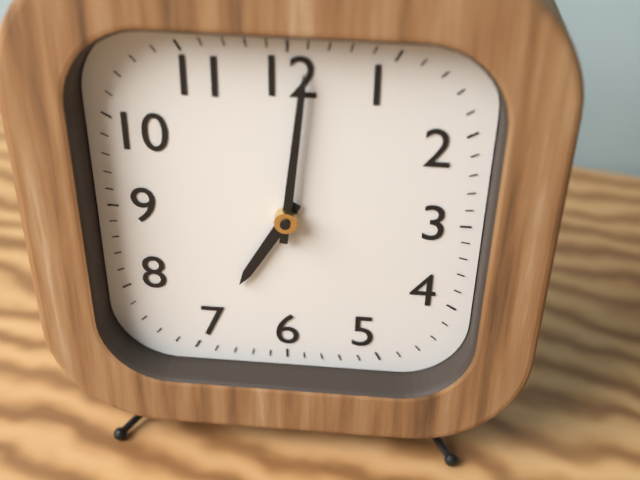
7:01
